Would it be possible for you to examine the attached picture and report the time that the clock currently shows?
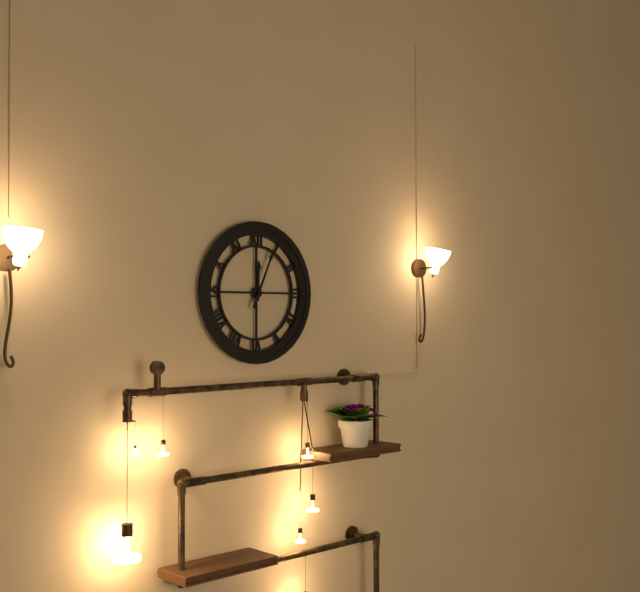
12:04
